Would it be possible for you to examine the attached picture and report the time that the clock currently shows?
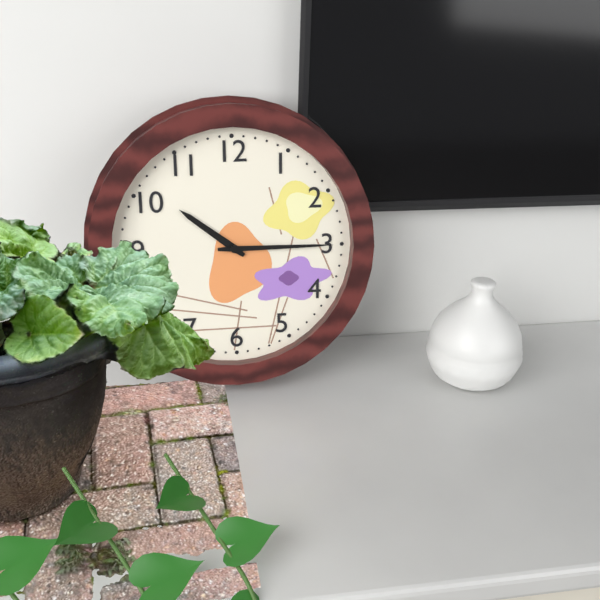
10:15
